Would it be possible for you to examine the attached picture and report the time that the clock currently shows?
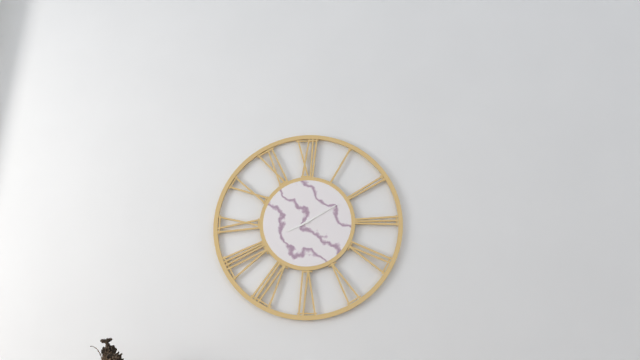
8:10
